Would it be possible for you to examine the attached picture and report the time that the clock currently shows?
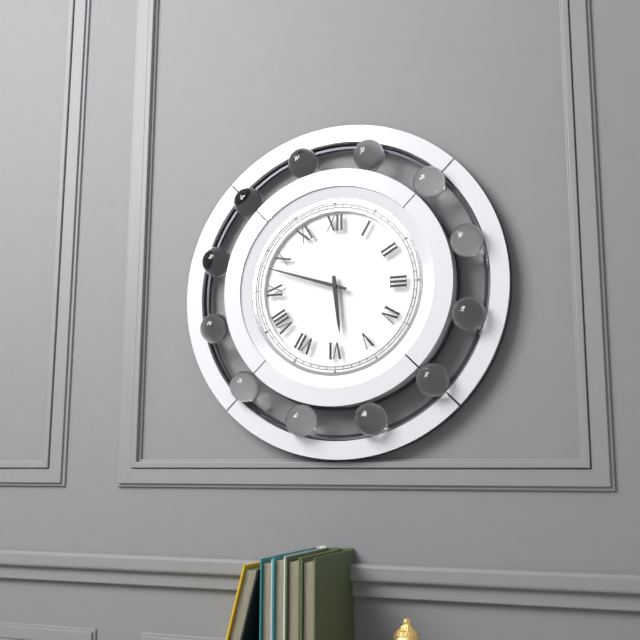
5:48
